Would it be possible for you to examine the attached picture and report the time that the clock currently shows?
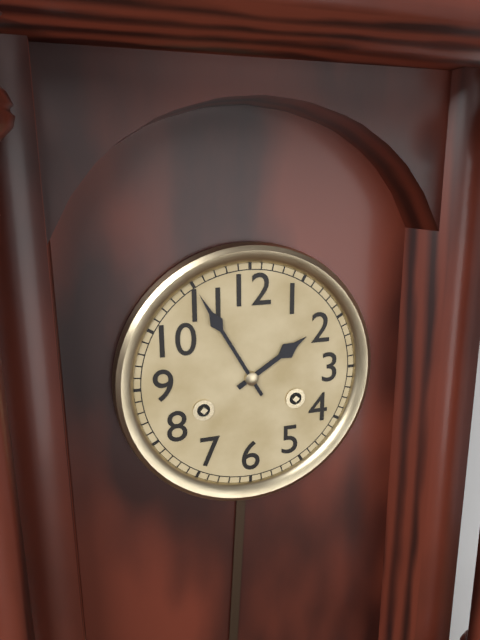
1:55
